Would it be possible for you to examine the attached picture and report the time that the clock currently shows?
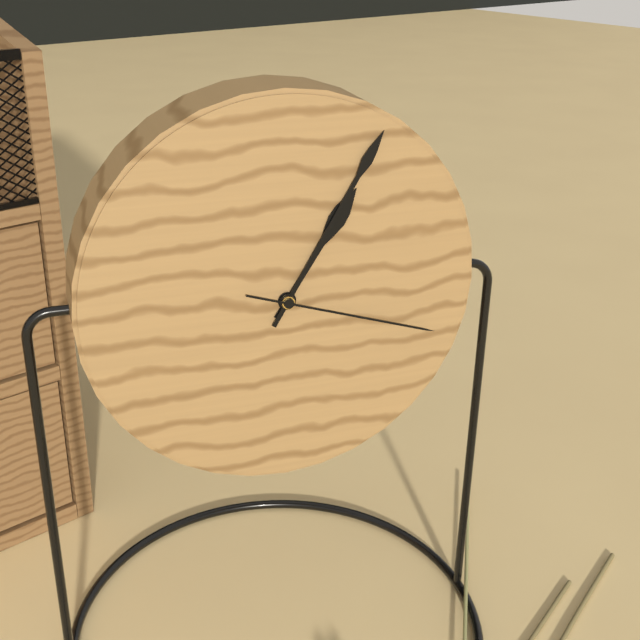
1:05:18
